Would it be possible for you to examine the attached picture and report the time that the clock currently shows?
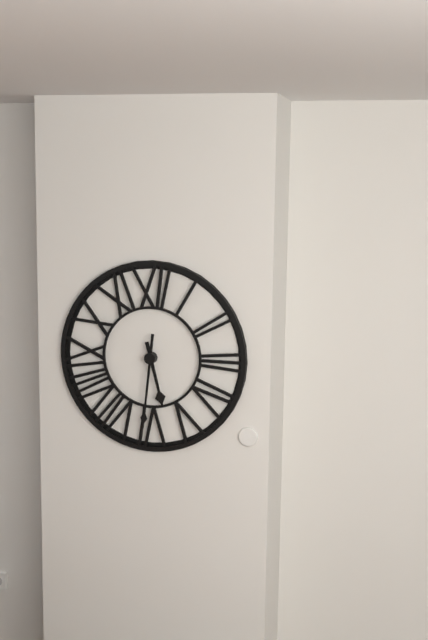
5:31
